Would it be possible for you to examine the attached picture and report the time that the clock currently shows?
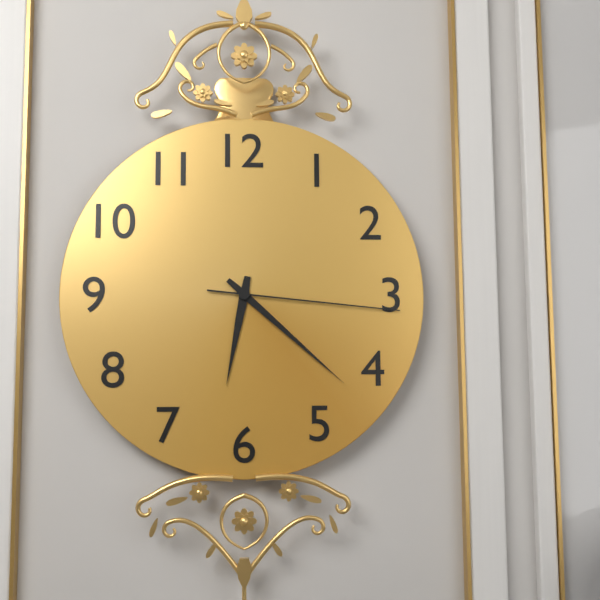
6:22:16
